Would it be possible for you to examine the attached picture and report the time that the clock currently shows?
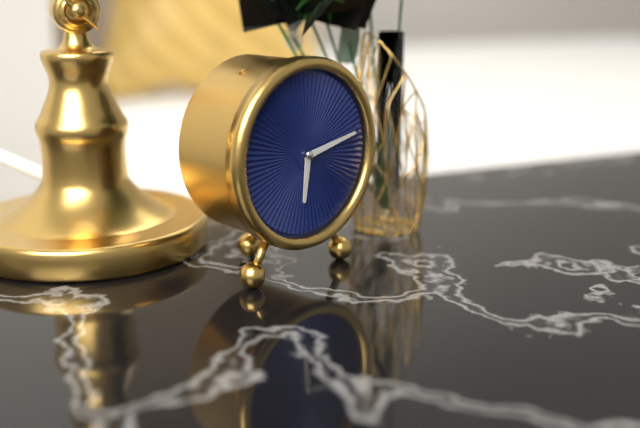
6:13
